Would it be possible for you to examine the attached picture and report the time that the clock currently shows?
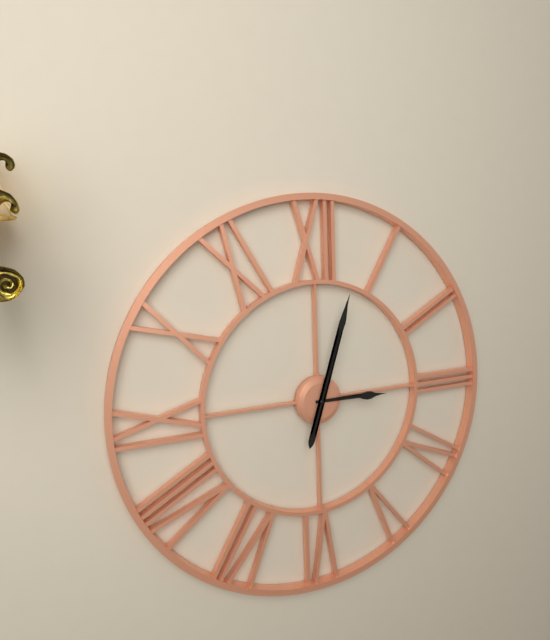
3:03
